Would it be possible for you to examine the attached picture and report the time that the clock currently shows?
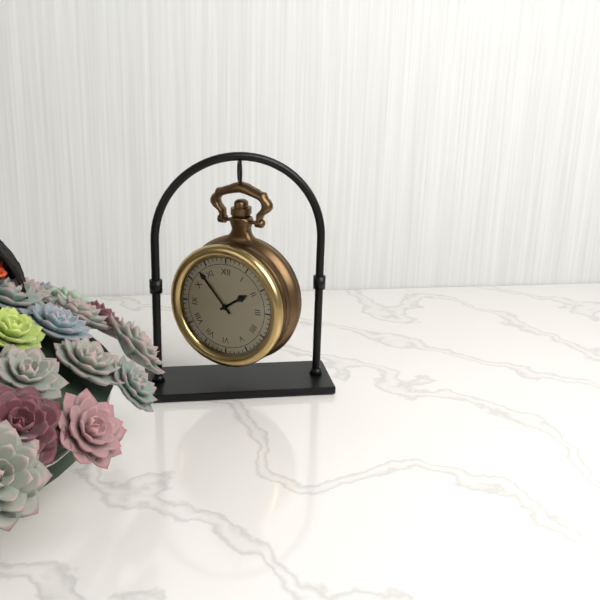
1:53
